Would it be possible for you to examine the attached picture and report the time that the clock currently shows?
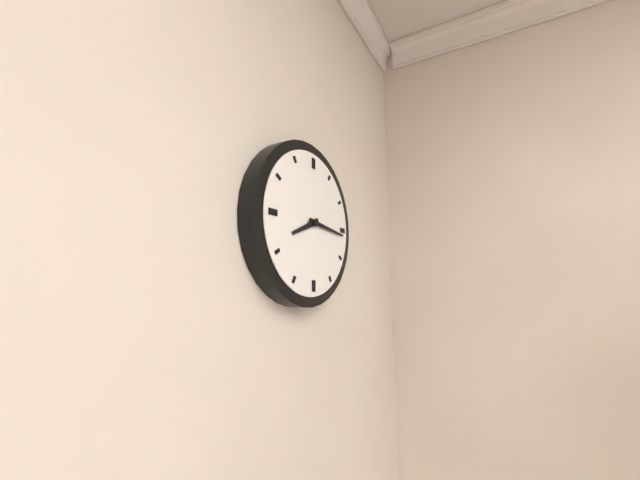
8:16
